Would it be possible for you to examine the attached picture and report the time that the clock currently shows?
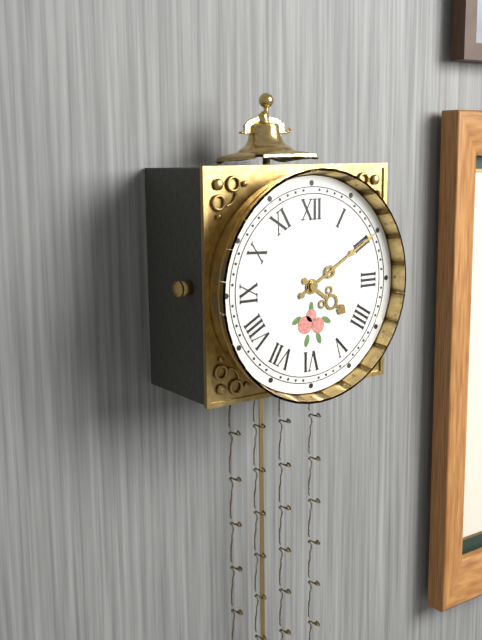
4:10
